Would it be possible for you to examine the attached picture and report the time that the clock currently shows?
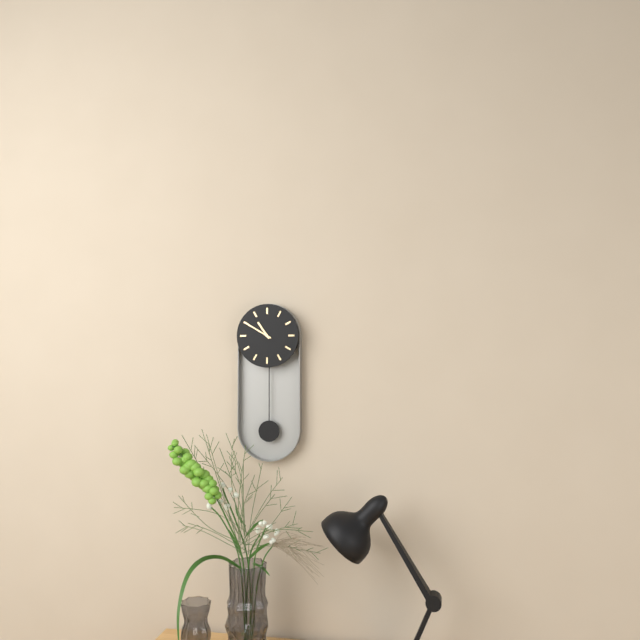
10:50
